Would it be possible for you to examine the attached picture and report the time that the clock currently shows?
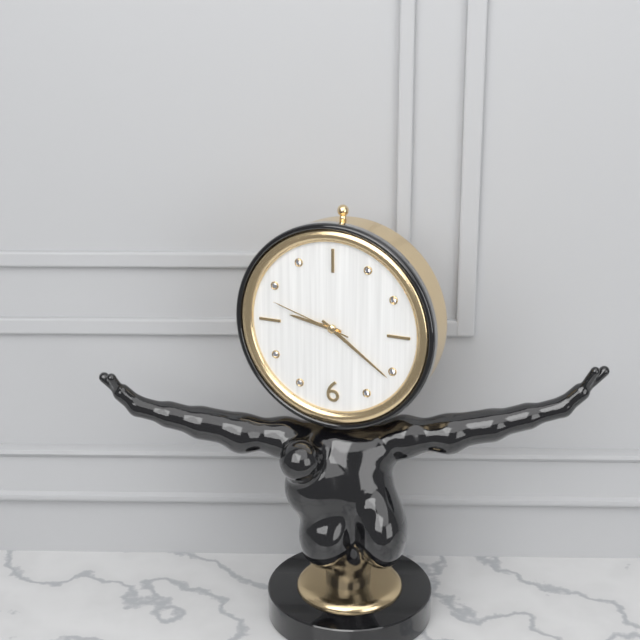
9:21:48
